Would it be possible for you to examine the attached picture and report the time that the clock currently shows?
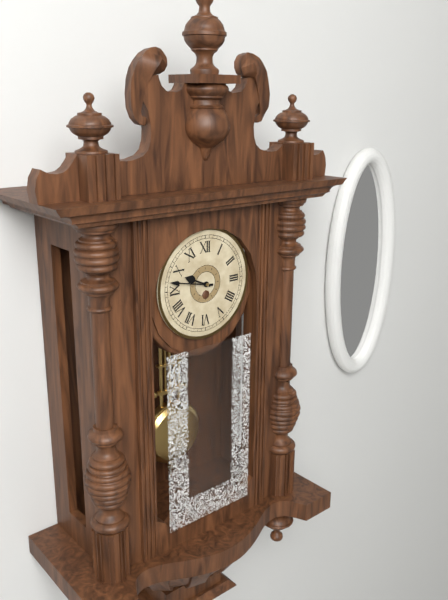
9:47
